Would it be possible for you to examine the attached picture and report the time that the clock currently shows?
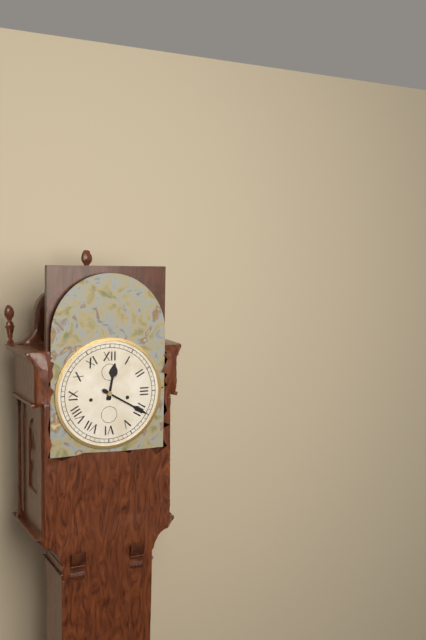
12:20
